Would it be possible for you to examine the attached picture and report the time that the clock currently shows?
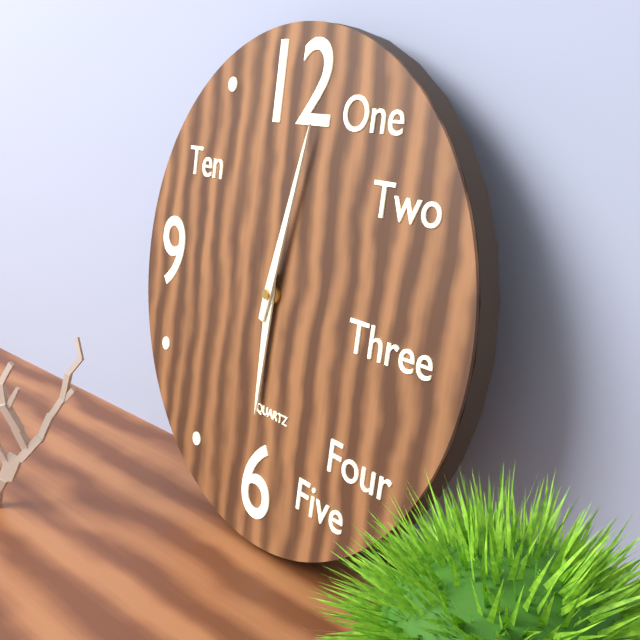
6:02
